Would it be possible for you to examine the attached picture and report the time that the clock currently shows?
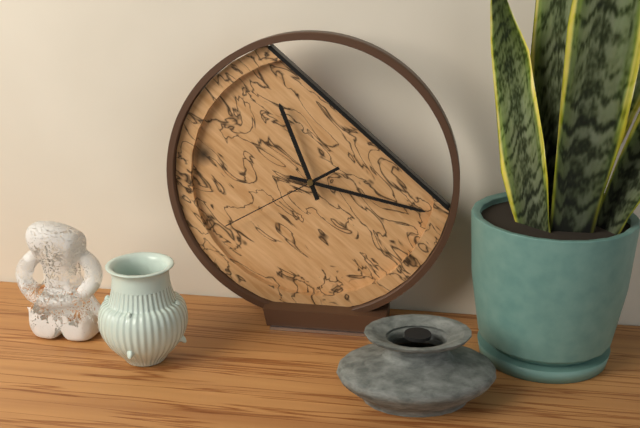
11:17:40
